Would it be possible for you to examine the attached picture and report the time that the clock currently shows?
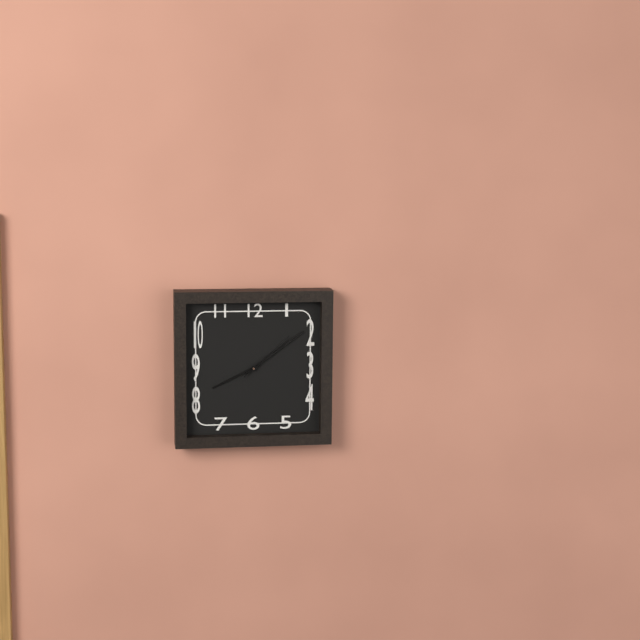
8:09:08
